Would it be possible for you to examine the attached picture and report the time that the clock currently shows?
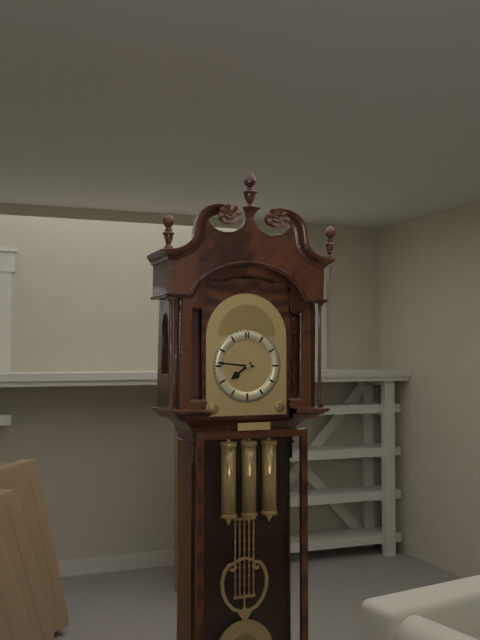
7:46
